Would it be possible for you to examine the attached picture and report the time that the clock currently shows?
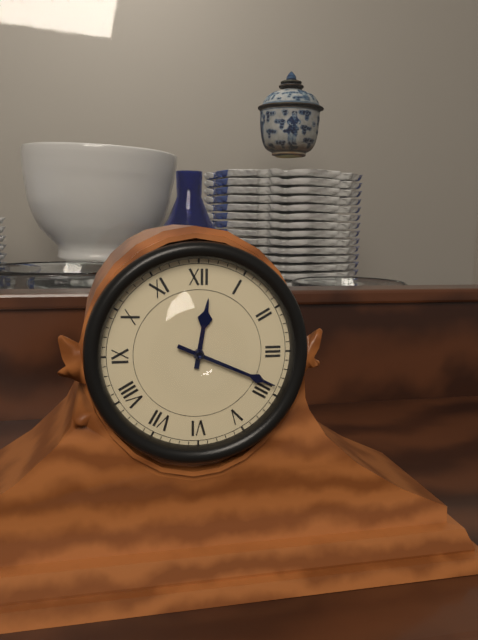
12:19
